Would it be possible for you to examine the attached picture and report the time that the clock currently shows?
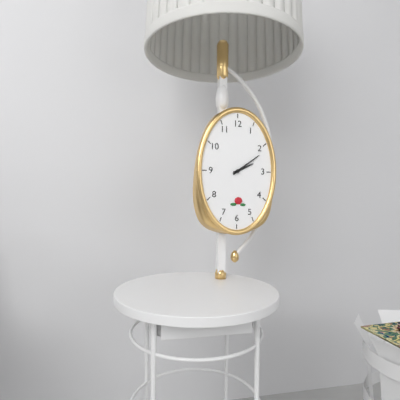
2:09
